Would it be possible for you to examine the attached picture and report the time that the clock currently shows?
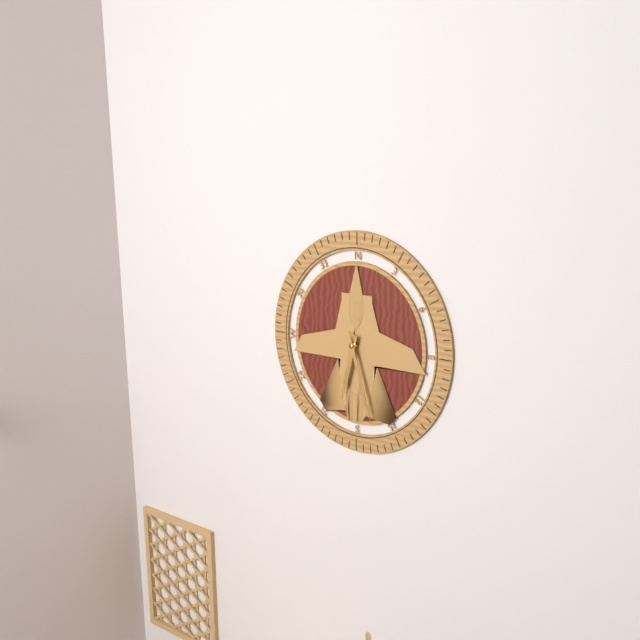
6:27
